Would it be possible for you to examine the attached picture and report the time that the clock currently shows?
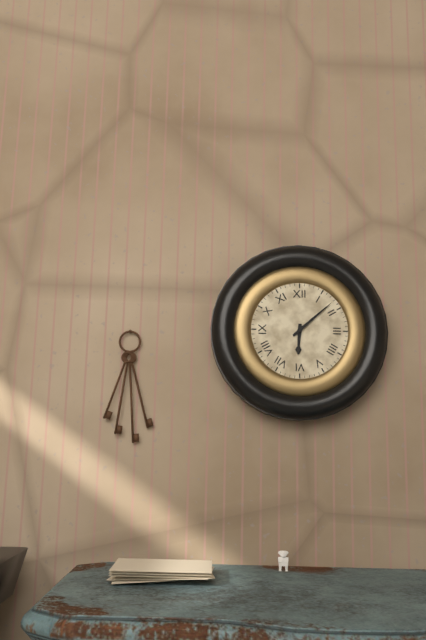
6:08
